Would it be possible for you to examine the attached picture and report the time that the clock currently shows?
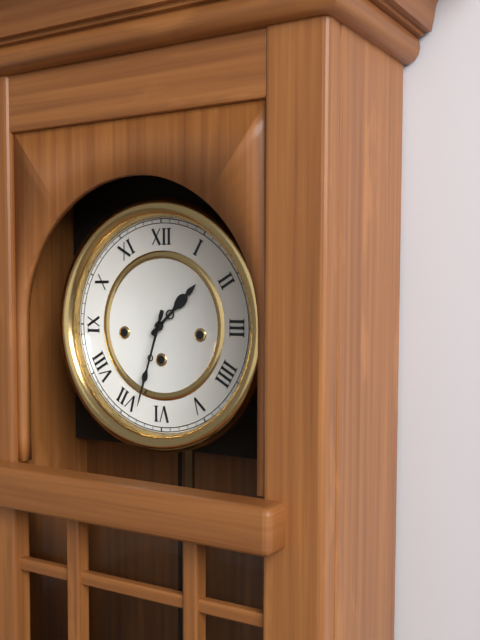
1:33
